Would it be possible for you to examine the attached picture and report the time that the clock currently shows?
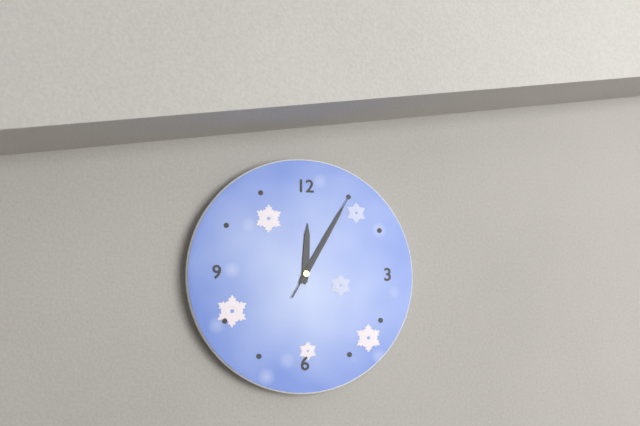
12:05:05
